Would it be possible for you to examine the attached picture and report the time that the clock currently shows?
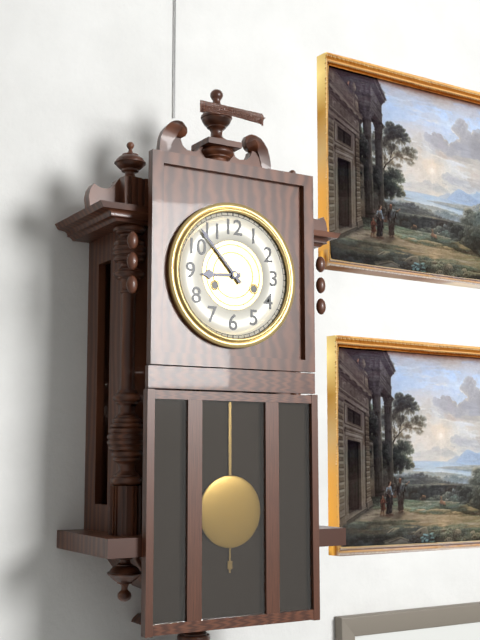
8:53
